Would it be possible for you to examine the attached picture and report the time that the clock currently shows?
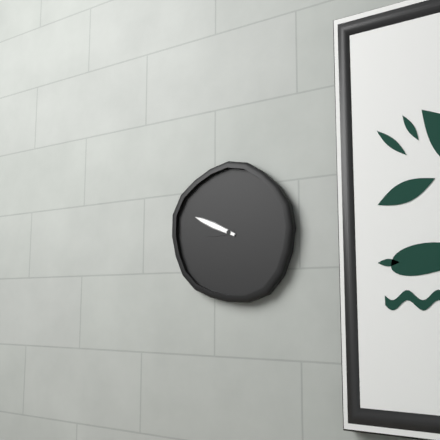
8:49
